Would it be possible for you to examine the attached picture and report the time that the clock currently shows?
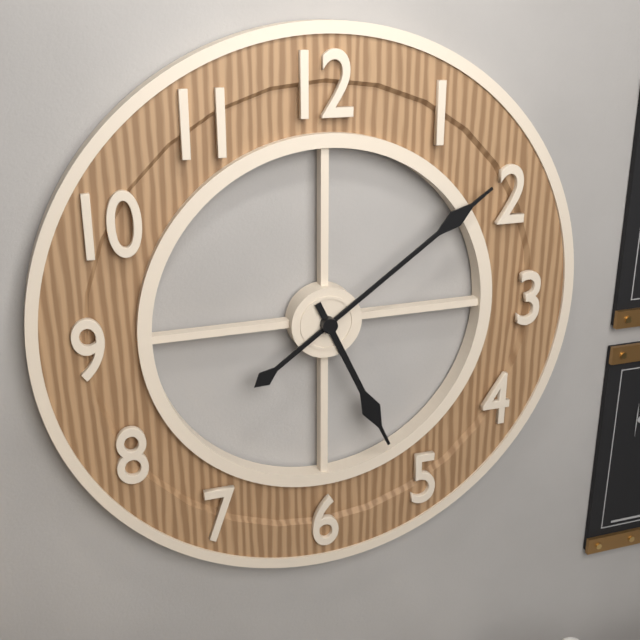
5:09
